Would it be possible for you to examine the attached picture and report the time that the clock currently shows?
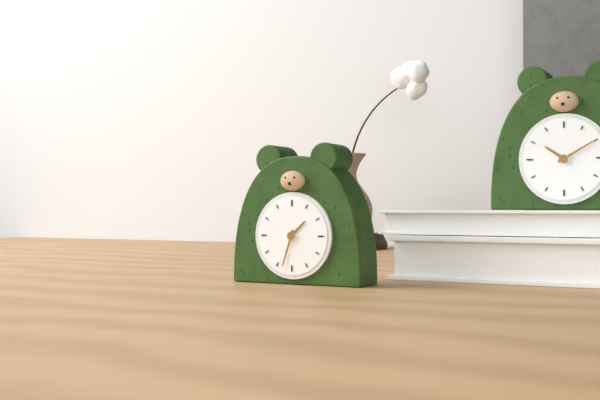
1:33
